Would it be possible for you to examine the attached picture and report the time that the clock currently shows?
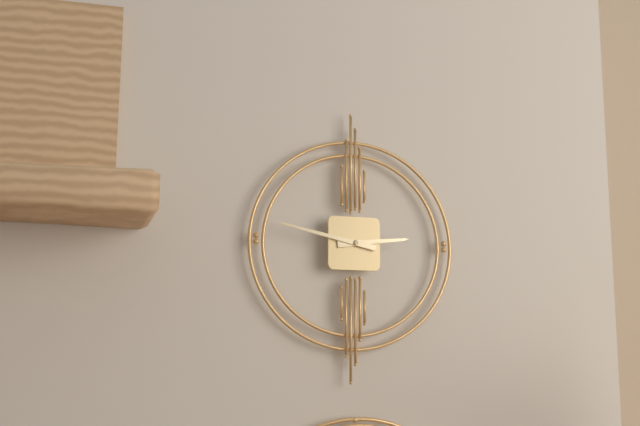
2:47
